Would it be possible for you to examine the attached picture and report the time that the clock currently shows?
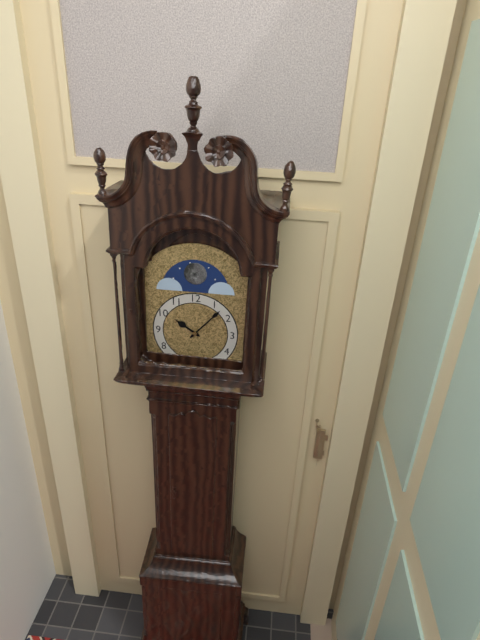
10:07
